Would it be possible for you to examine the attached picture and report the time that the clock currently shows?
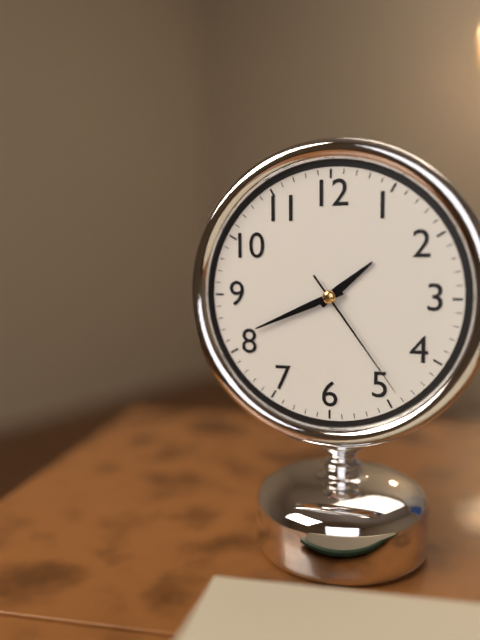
1:41:24
